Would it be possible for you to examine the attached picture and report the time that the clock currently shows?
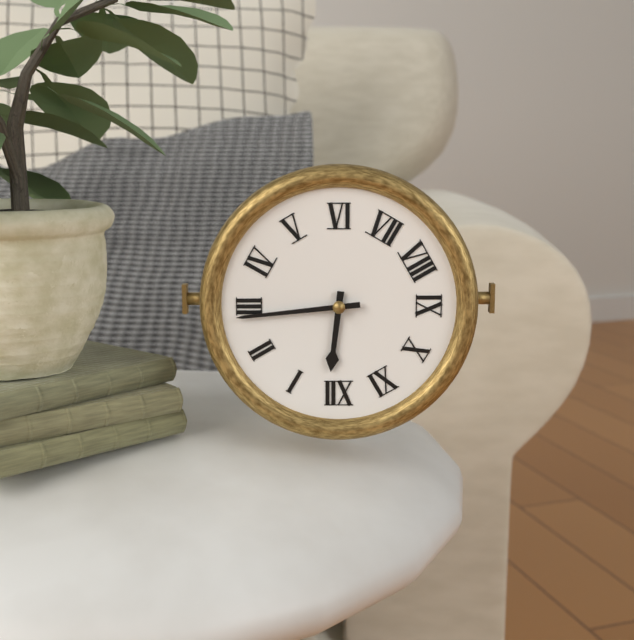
12:14
